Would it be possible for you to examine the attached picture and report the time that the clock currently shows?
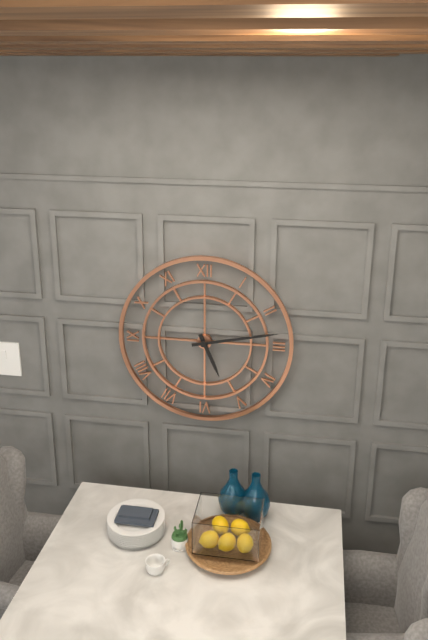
5:13
